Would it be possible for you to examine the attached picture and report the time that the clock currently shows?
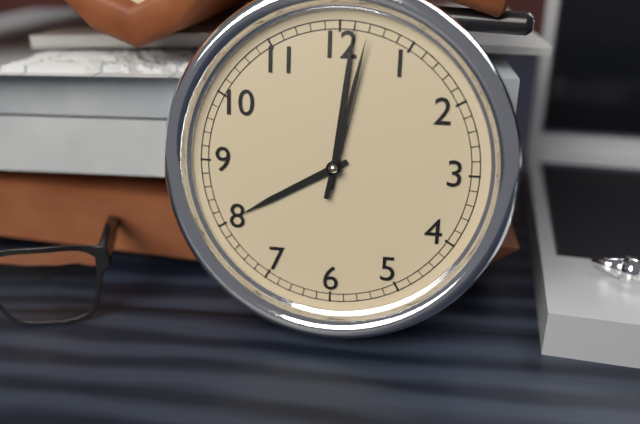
8:01:02
